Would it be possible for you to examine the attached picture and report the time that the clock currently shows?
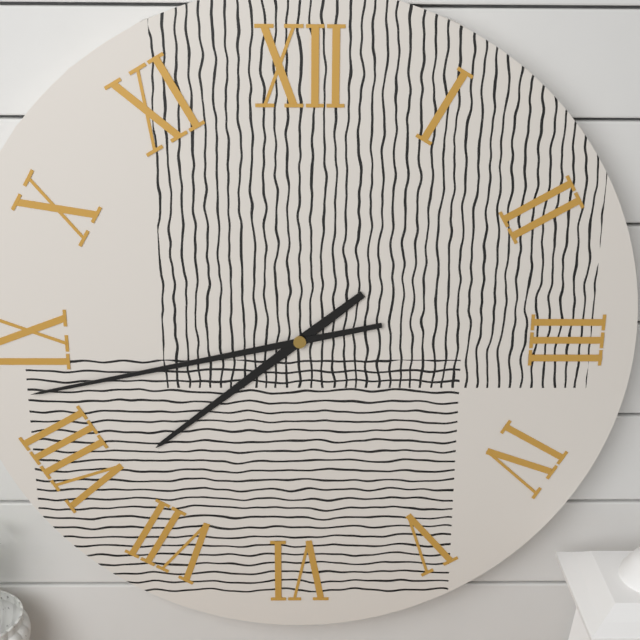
7:43
